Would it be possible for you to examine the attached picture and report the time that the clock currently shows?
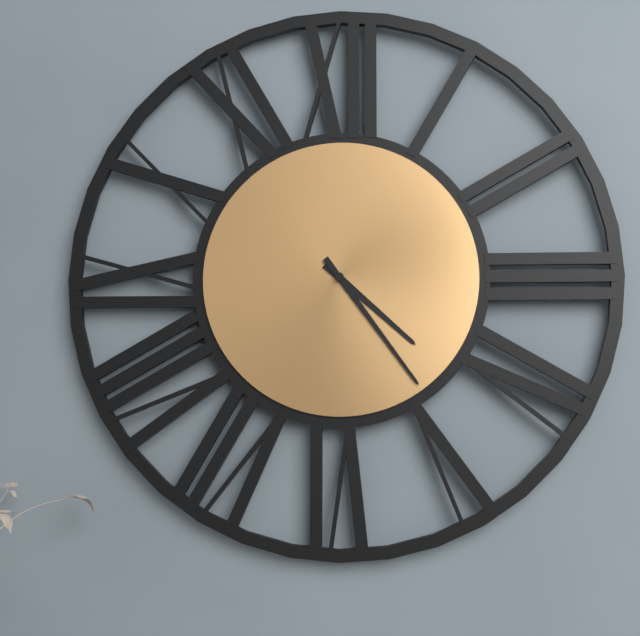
4:24
